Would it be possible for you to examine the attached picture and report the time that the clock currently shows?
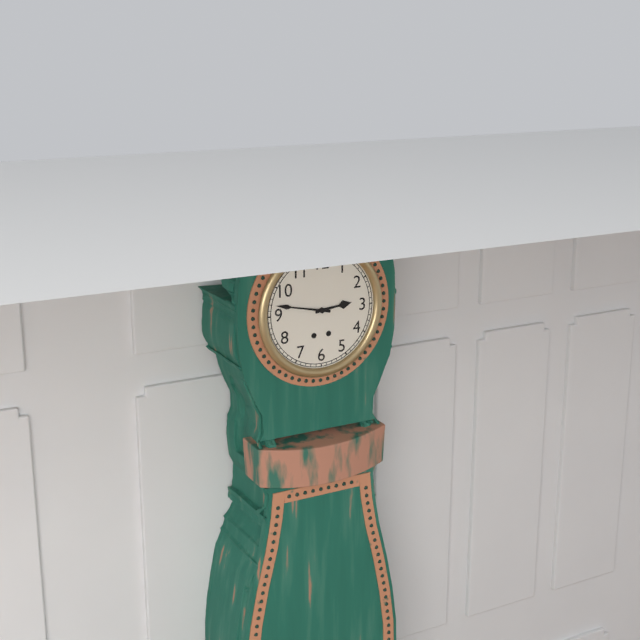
2:47
